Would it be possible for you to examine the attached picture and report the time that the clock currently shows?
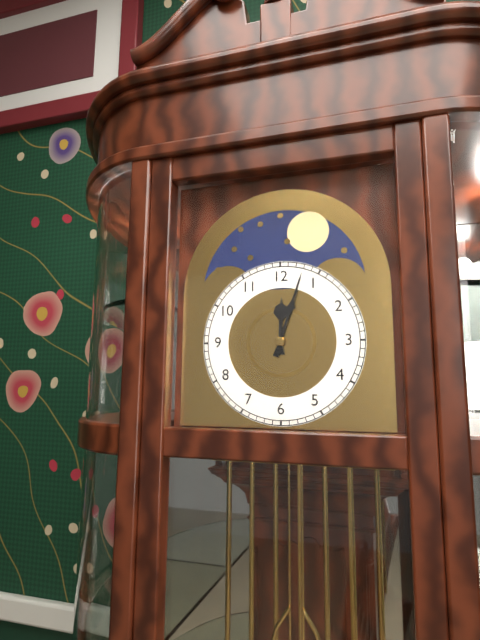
12:03
